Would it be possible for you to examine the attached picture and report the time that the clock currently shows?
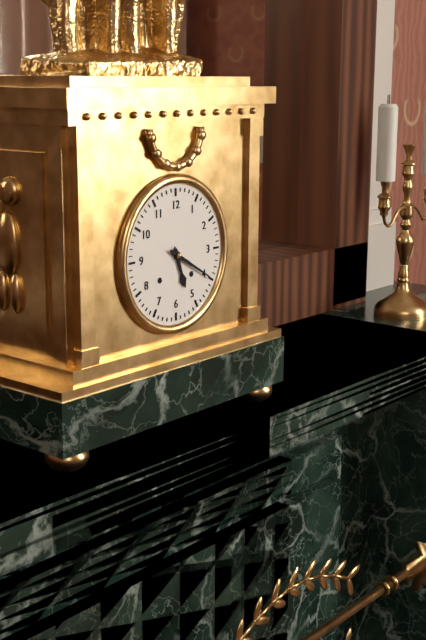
5:20
